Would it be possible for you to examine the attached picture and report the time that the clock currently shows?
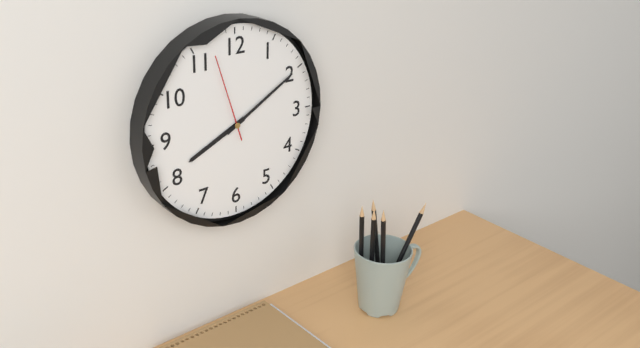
8:10:57
